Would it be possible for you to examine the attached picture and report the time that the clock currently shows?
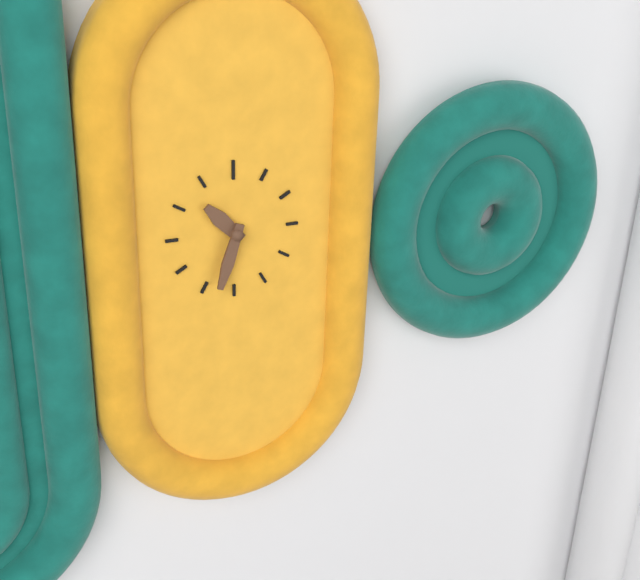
10:33
